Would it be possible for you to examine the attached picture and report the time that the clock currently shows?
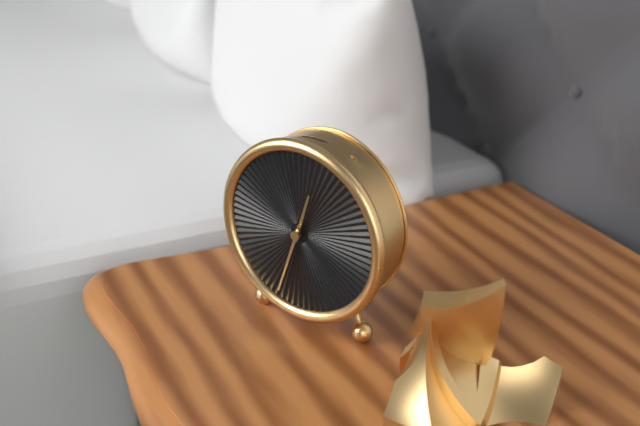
12:33
